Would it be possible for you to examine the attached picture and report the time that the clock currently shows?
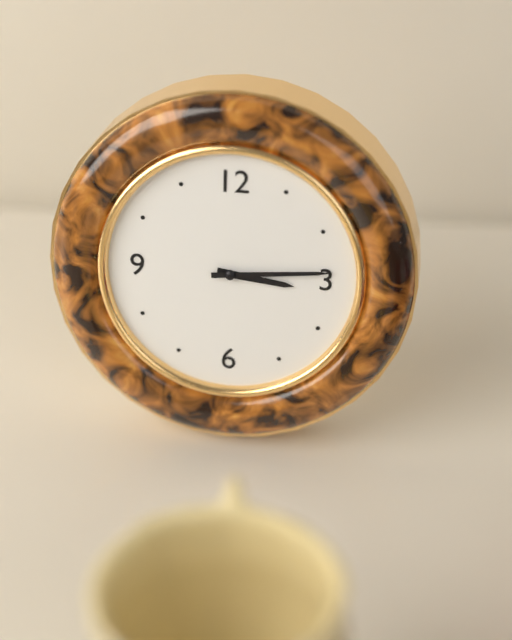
3:14
